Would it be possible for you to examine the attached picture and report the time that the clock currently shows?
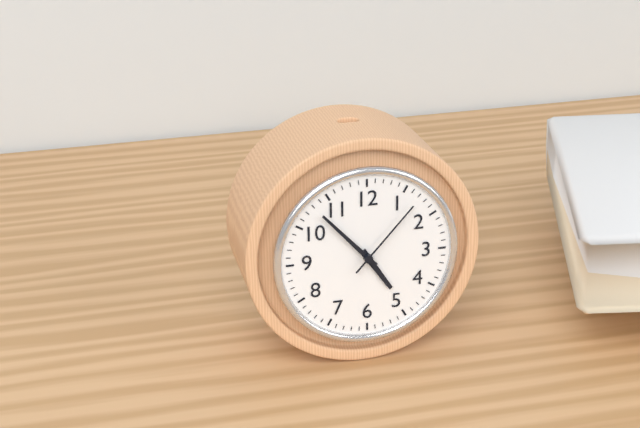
4:53:07
